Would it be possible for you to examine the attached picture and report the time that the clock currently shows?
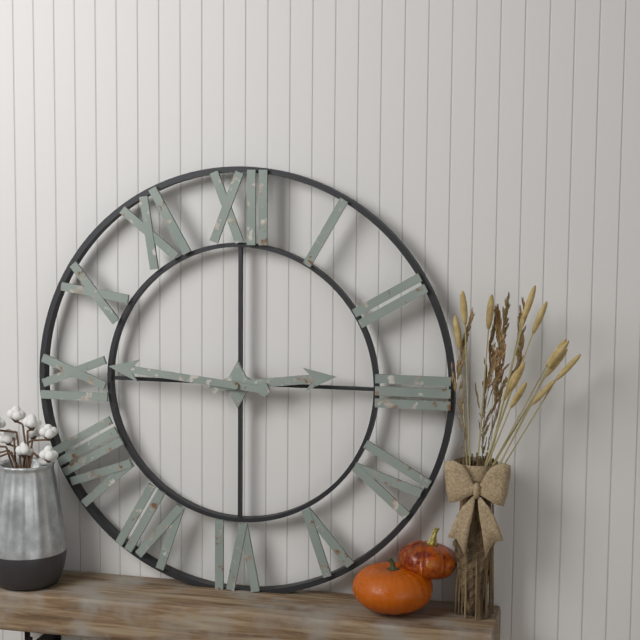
2:46
